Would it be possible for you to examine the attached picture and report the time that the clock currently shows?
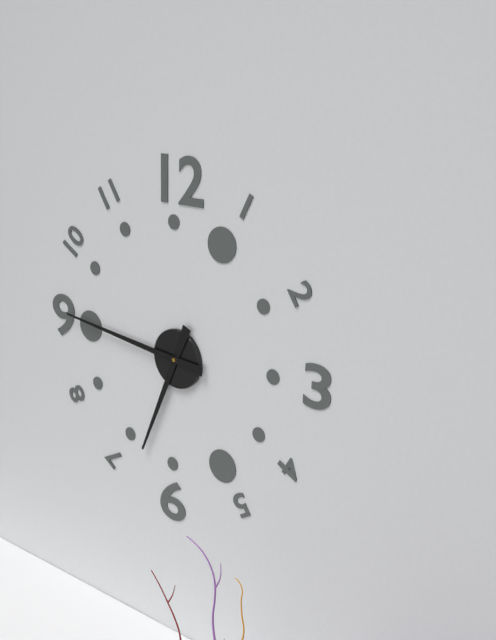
6:46
